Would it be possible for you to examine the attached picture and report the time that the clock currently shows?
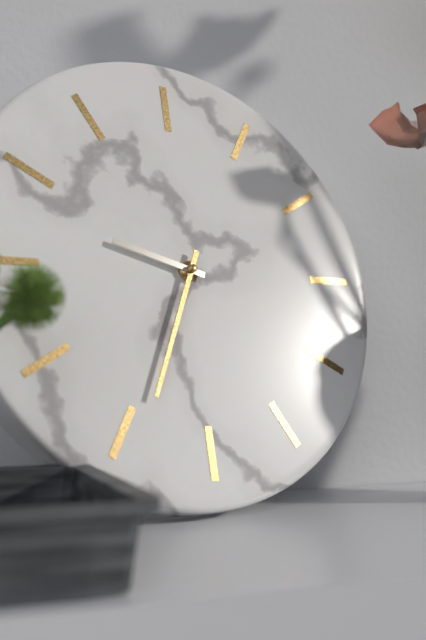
9:34
